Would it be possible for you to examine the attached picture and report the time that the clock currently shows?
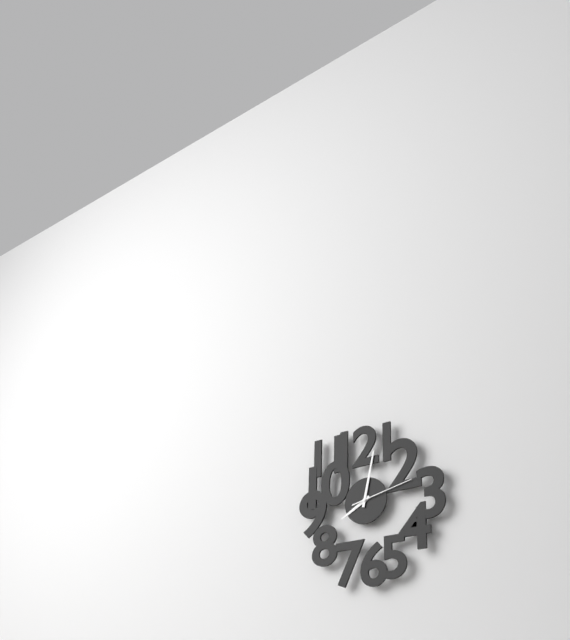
8:02:13
